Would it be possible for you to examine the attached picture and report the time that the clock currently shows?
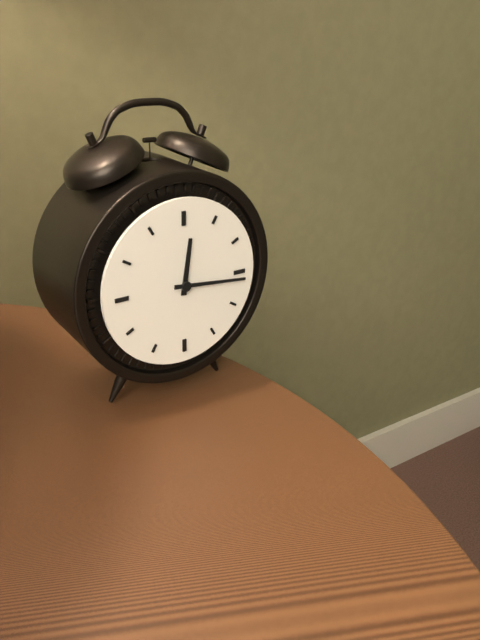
12:16
